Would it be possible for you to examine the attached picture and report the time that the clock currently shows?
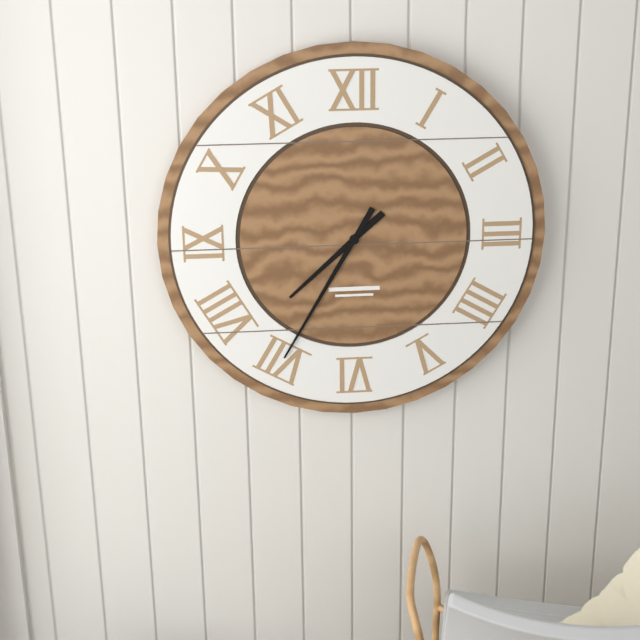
7:35
